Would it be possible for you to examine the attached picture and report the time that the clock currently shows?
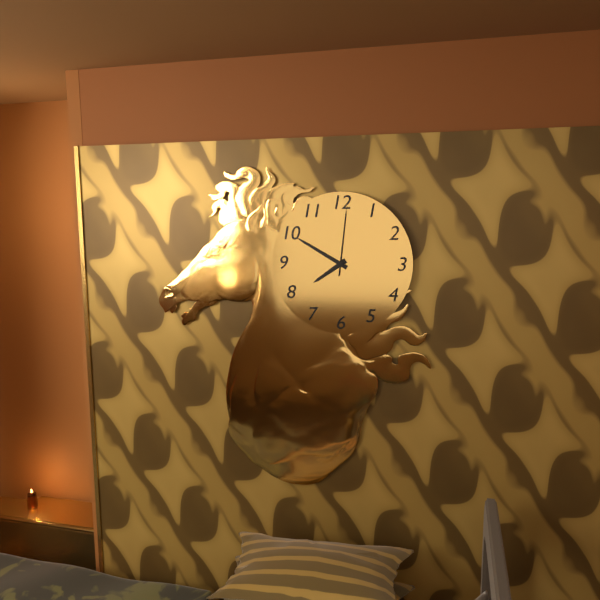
7:50:01
